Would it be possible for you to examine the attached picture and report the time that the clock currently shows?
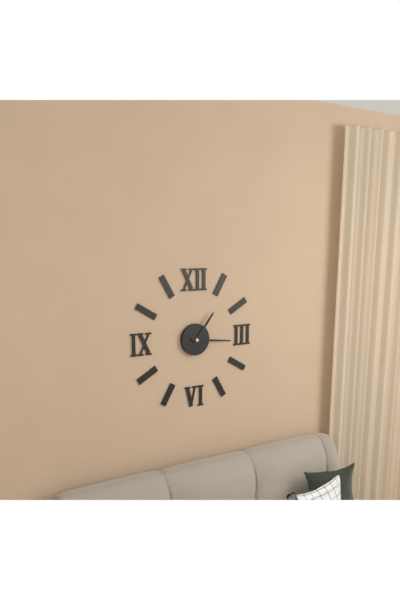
1:16
